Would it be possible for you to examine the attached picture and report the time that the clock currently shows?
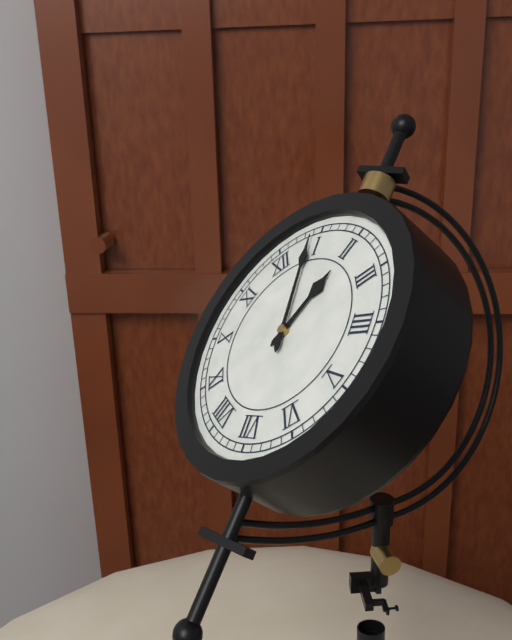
2:04
